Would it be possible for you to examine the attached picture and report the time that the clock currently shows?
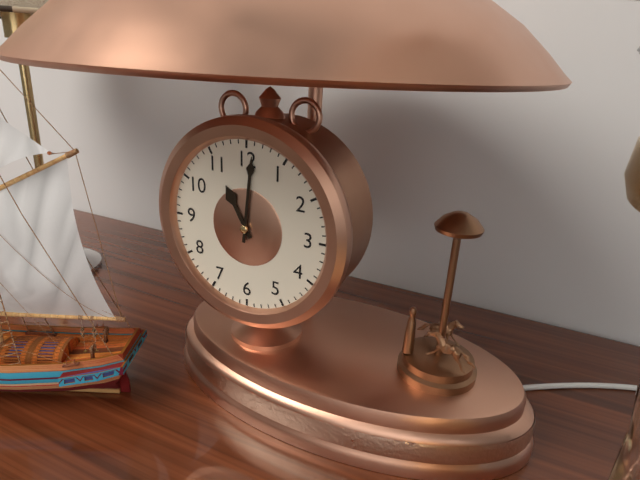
11:01
